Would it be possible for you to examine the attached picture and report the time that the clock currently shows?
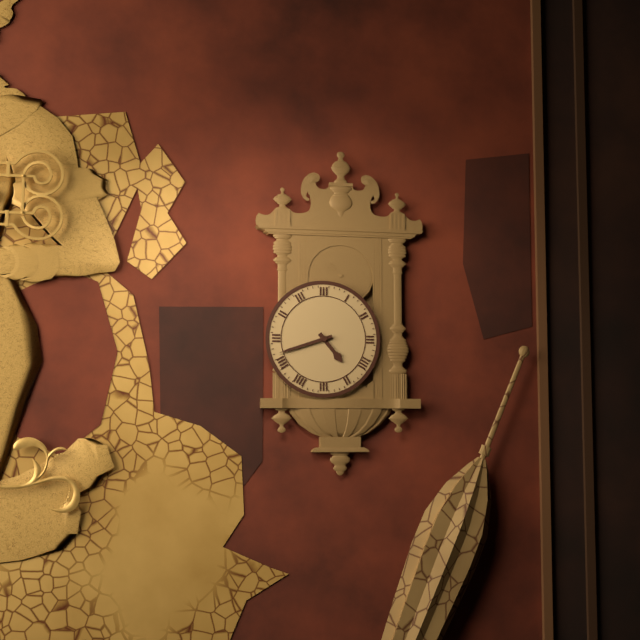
4:42
